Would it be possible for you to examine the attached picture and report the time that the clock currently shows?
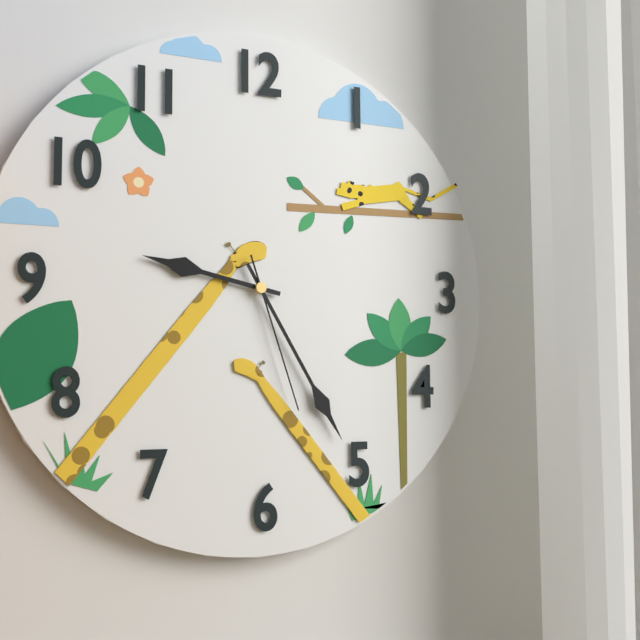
9:25:27
